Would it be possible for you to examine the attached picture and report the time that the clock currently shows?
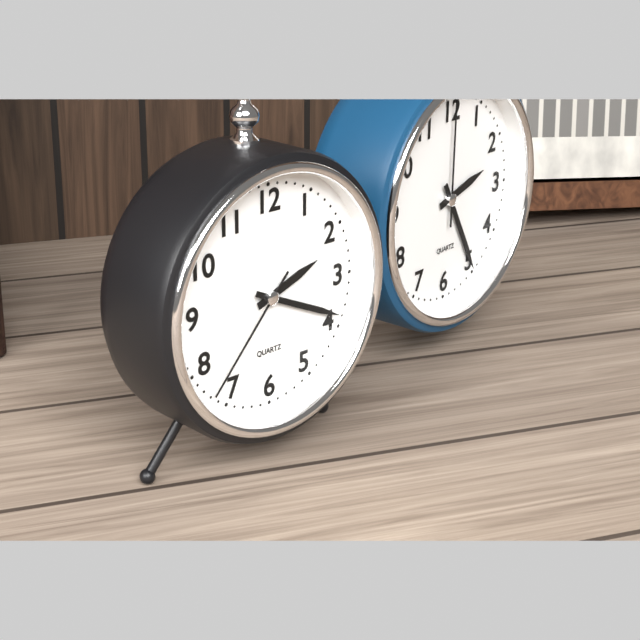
2:19:37
